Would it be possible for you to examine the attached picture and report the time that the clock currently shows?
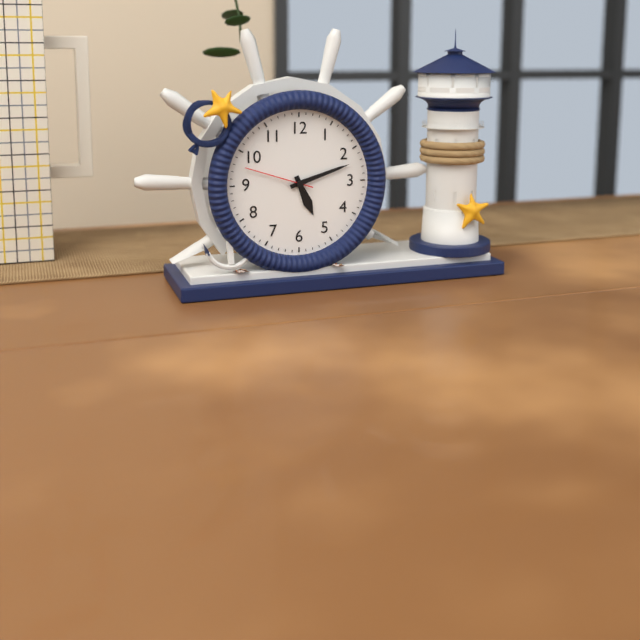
5:12:48
